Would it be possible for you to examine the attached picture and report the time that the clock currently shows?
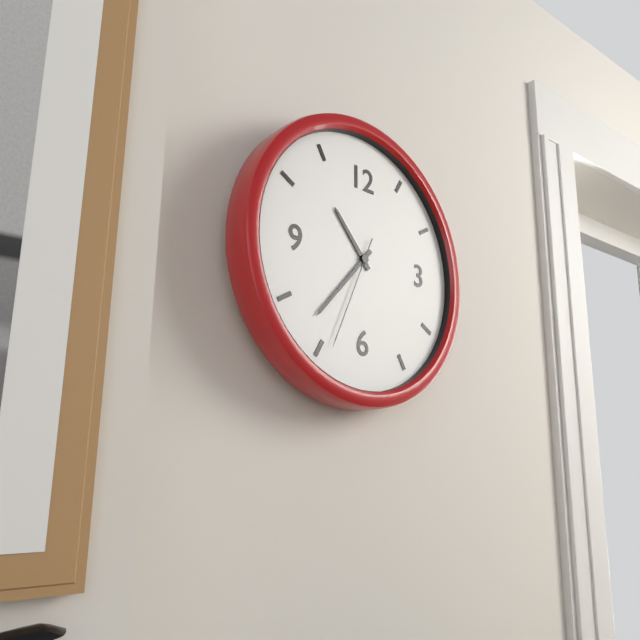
10:37:34
